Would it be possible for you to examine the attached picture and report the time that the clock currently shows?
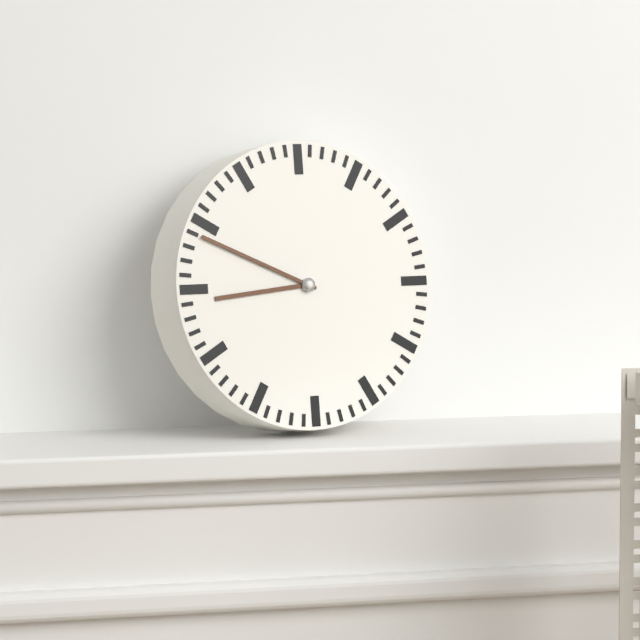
8:49
